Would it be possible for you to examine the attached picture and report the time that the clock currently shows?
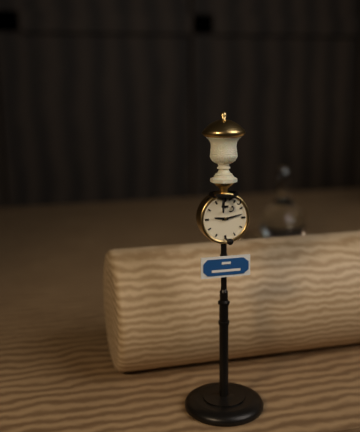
9:13
